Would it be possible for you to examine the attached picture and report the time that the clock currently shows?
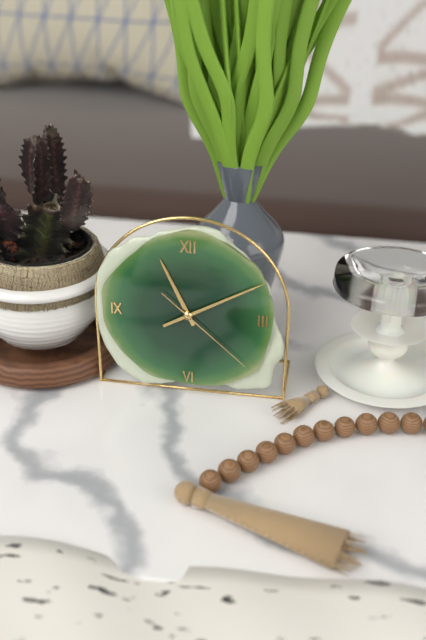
11:10:22
